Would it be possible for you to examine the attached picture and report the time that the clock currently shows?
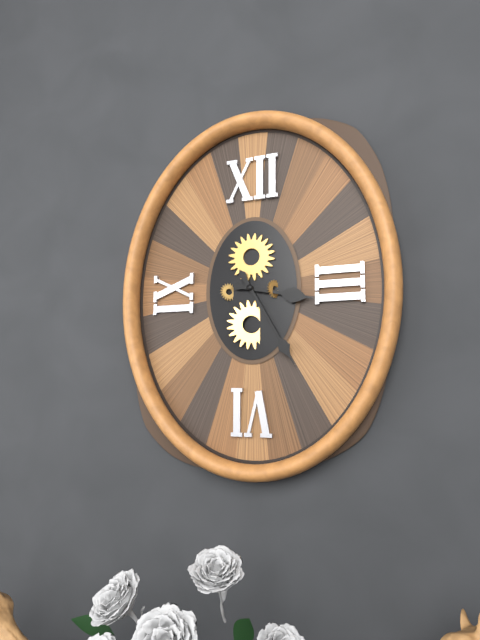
3:25
